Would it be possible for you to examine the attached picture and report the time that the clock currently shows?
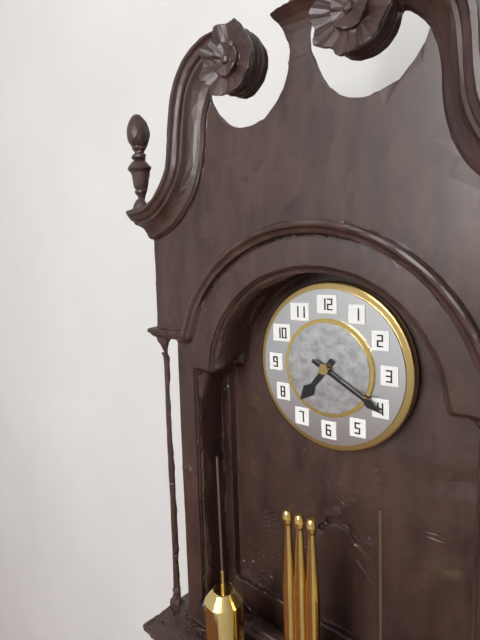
7:20
